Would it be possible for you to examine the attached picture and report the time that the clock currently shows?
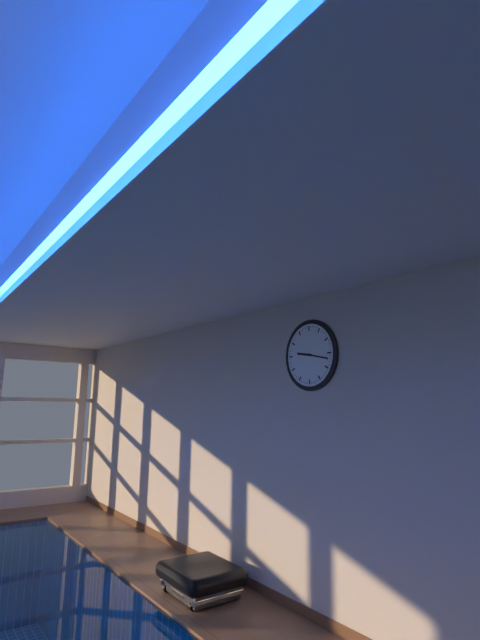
9:17
